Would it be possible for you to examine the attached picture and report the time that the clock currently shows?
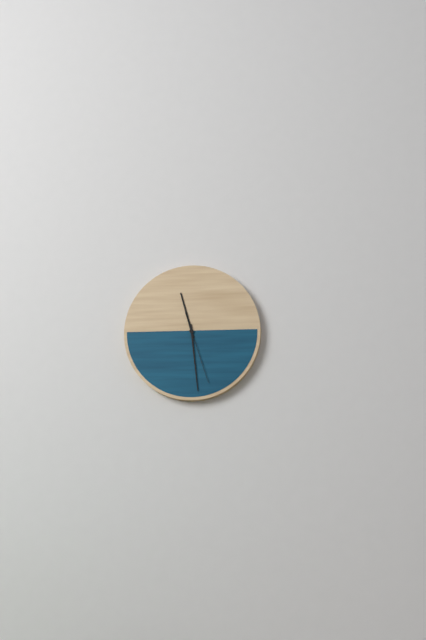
11:29:27
